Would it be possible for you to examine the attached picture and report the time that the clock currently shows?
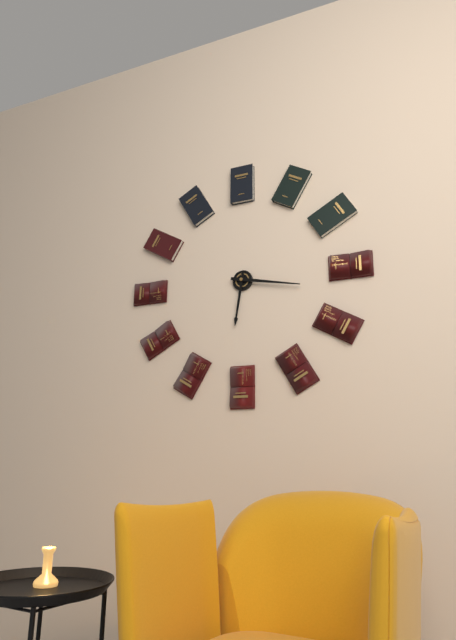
6:17
